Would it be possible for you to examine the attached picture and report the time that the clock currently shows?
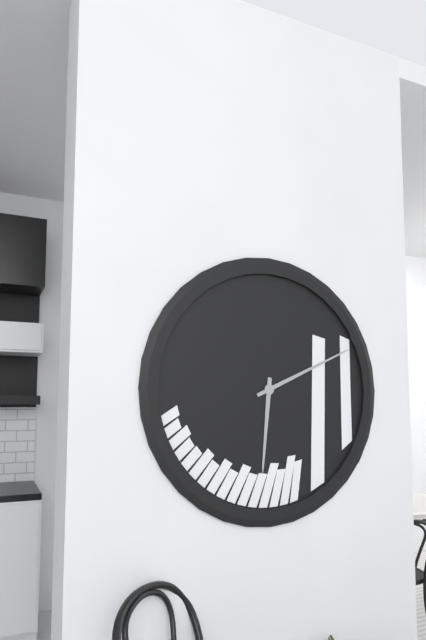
6:11
